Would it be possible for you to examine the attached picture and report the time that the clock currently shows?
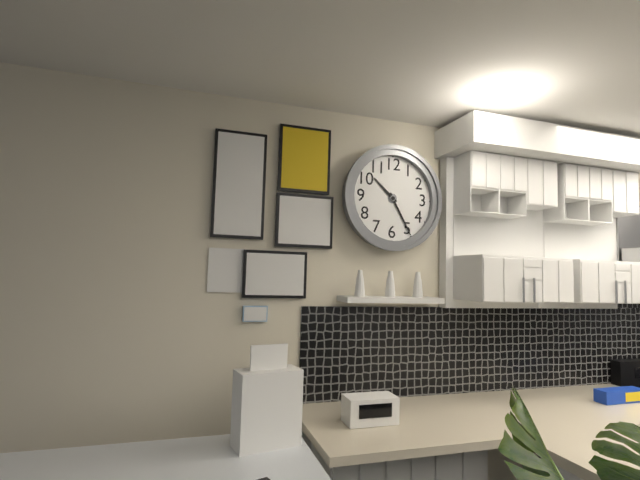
10:25
